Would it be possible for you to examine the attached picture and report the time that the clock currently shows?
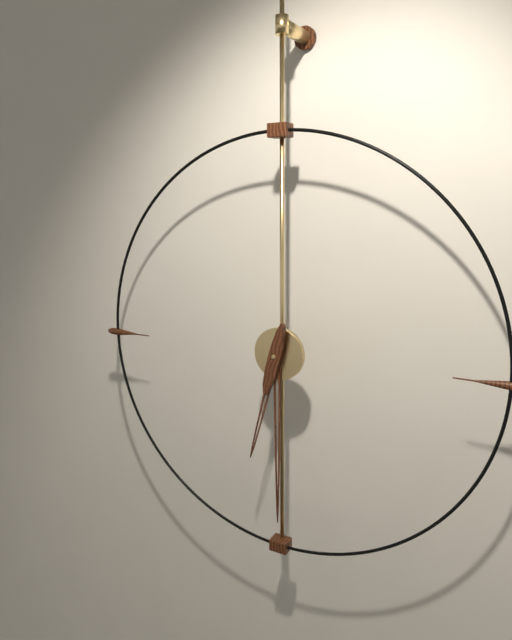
6:30
